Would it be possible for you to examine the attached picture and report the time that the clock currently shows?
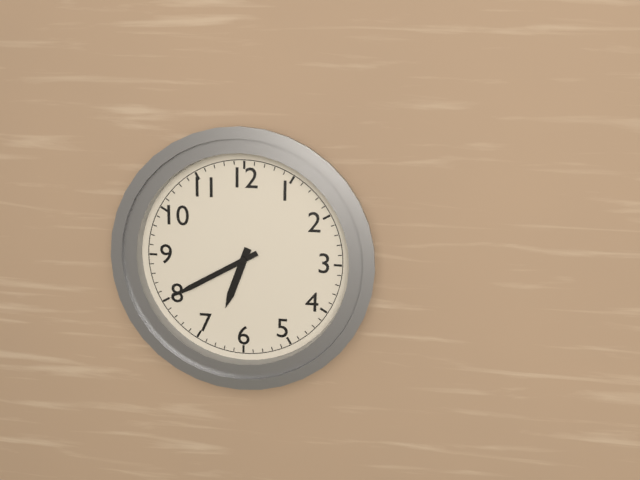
6:40
